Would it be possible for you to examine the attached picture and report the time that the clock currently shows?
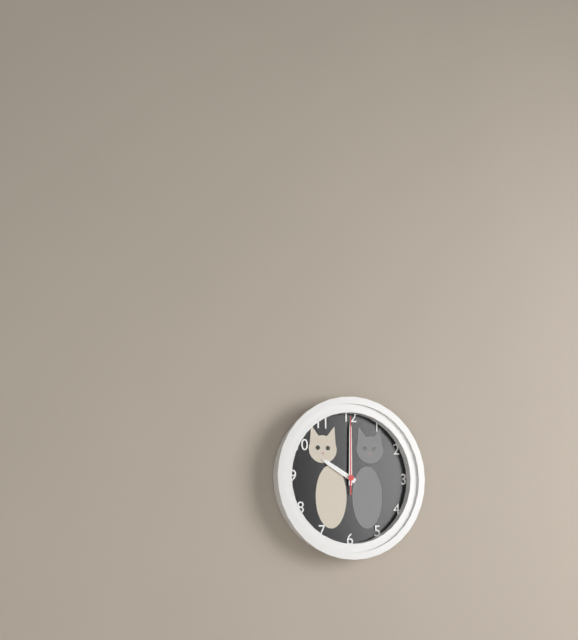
10:00:00
